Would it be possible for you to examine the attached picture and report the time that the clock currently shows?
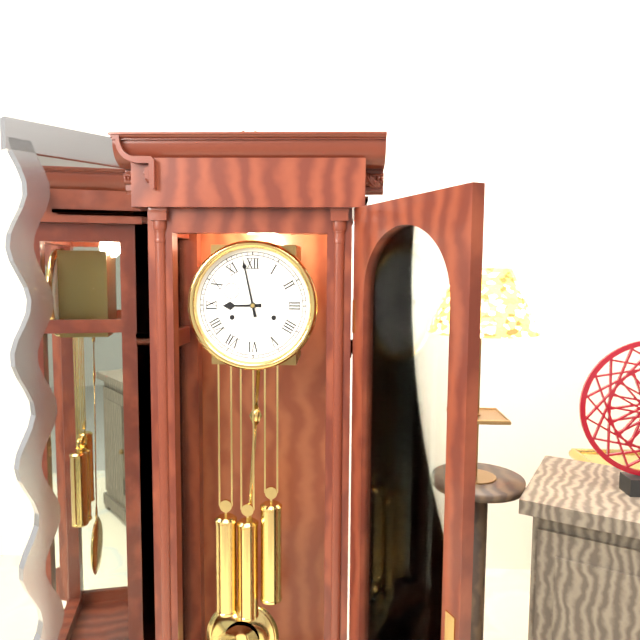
8:58
